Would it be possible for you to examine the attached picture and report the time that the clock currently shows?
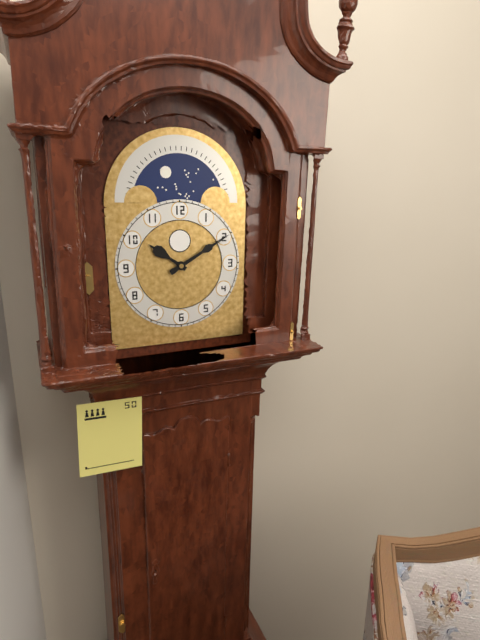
10:10
